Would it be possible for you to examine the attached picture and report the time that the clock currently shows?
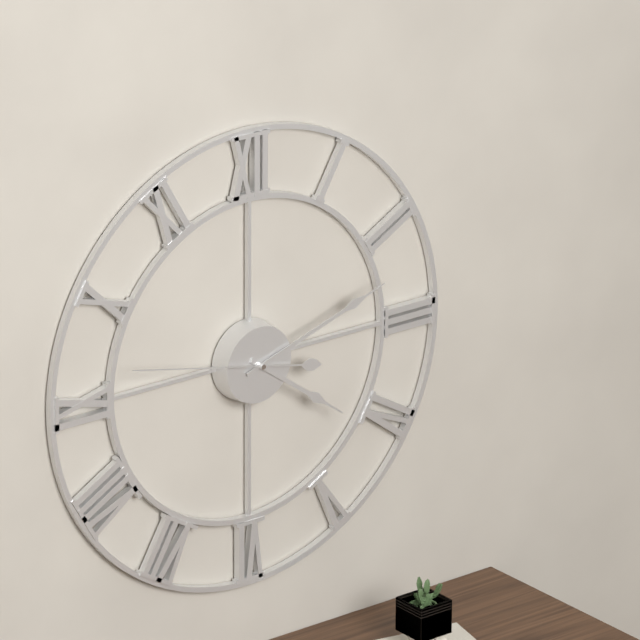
4:12:47
